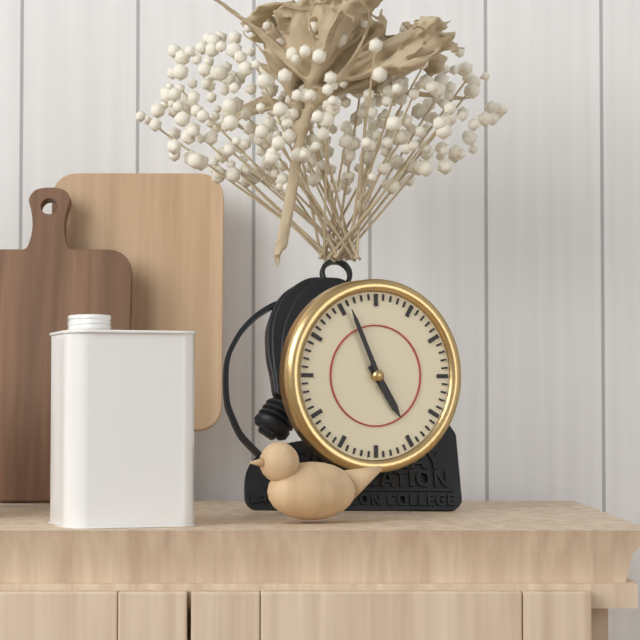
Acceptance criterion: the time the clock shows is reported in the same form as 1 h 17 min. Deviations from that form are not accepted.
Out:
4 h 56 min
